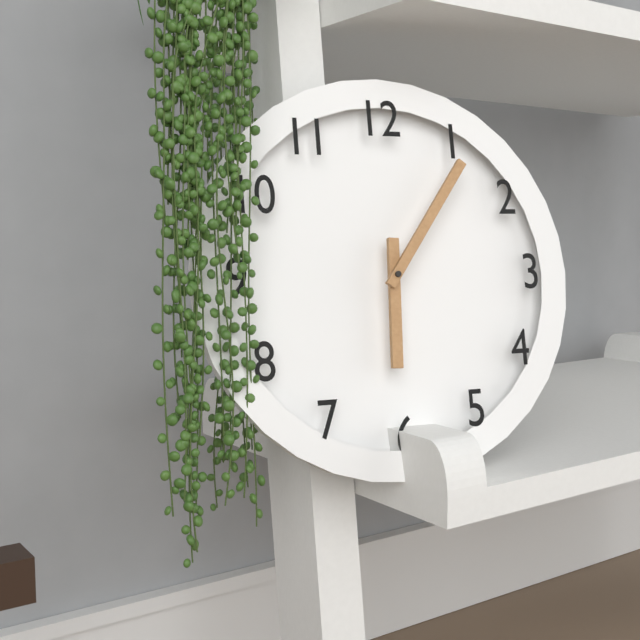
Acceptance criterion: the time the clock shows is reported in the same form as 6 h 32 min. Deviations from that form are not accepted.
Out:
6 h 06 min
